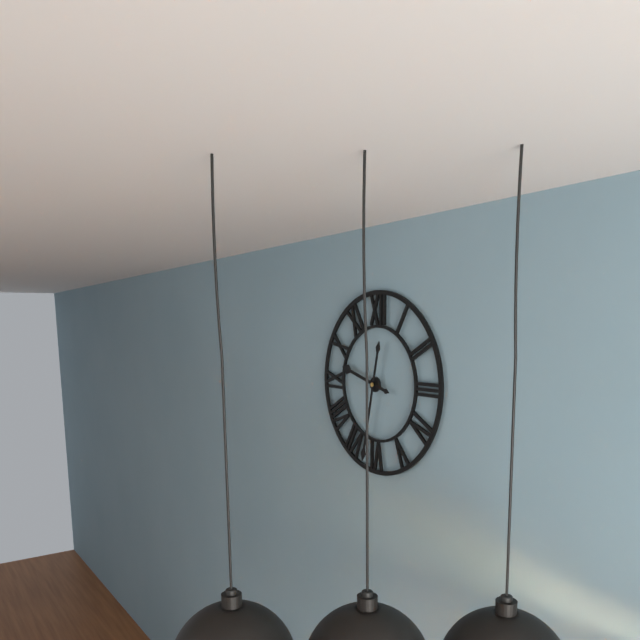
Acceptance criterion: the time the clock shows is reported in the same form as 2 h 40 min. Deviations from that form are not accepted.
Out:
9 h 32 min
